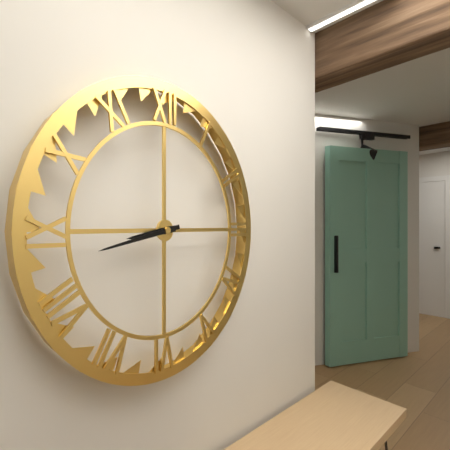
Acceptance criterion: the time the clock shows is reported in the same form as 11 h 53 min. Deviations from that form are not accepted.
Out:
8 h 43 min
